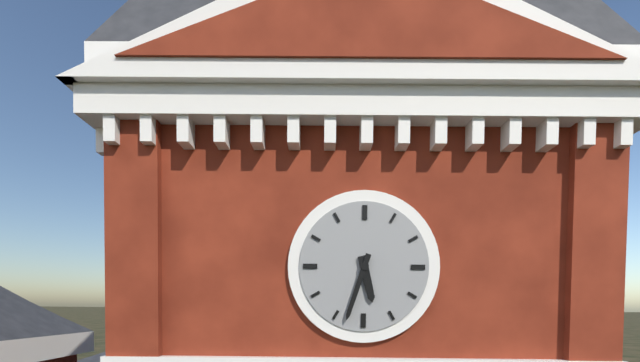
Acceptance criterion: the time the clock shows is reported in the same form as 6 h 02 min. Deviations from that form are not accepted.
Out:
5 h 33 min
